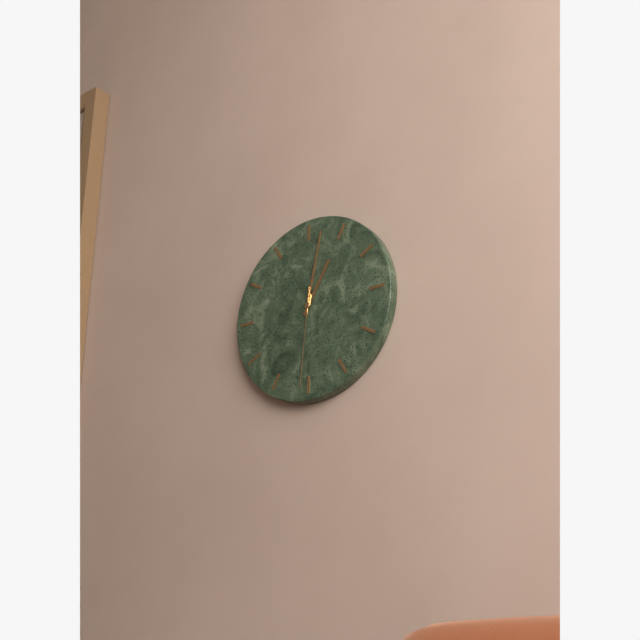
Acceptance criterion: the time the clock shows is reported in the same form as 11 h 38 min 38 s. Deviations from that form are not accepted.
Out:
1 h 02 min 31 s
